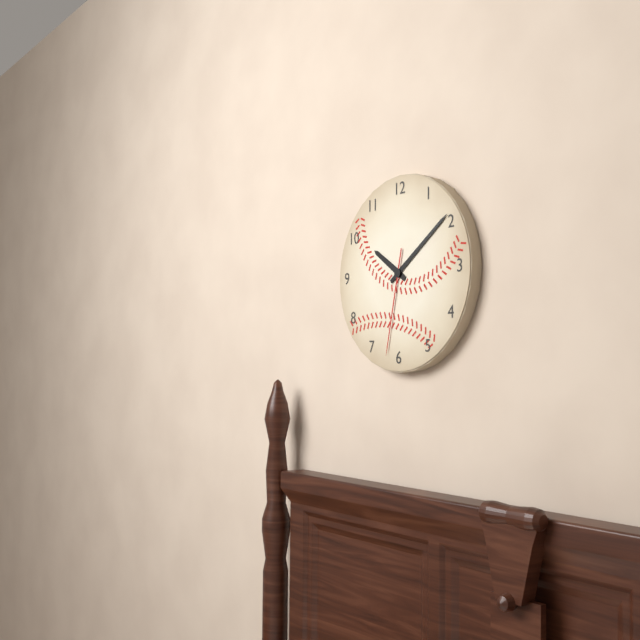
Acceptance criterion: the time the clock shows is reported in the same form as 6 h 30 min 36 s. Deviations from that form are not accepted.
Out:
10 h 09 min 32 s
